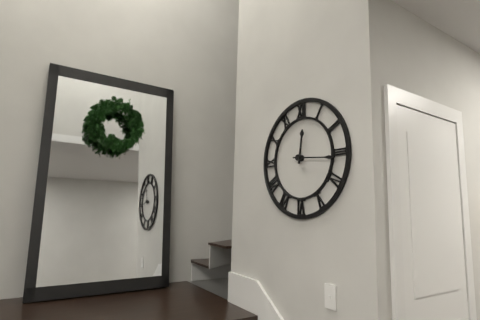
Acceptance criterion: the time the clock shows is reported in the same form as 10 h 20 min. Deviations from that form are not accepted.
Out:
12 h 16 min
